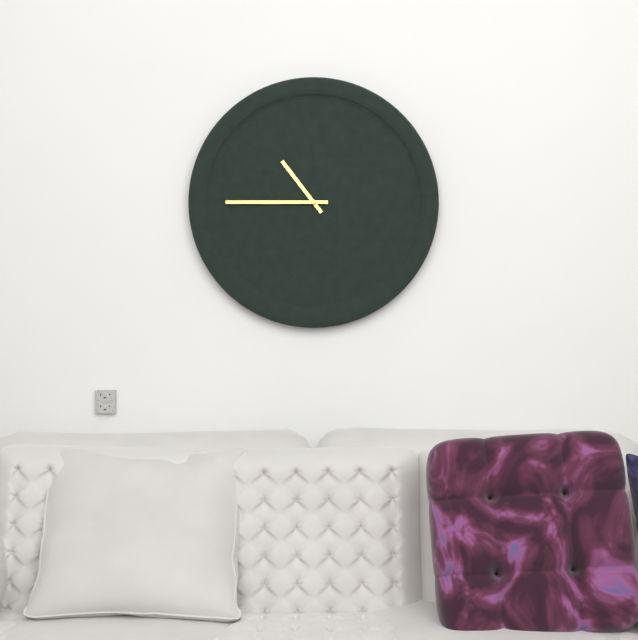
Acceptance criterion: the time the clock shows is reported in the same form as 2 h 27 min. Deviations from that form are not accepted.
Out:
10 h 45 min
